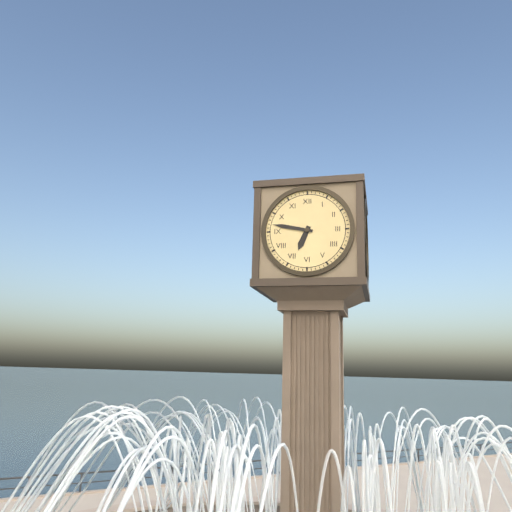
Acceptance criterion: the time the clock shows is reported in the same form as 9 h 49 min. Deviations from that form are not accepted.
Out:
6 h 47 min
